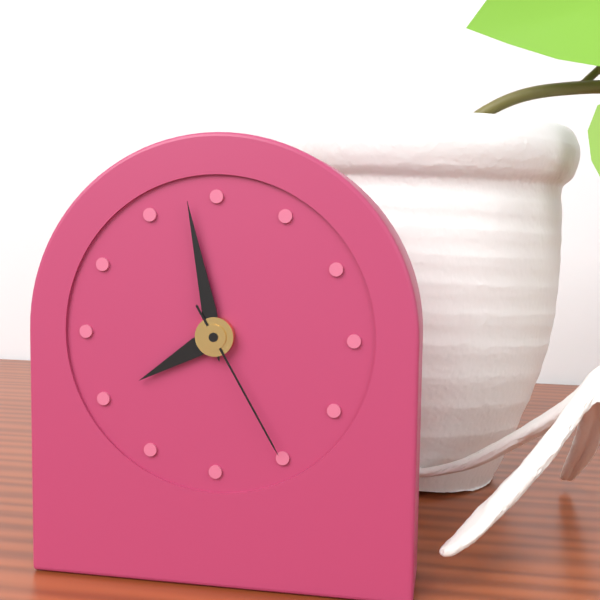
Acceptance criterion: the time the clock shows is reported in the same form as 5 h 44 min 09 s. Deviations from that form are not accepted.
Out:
7 h 58 min 25 s
